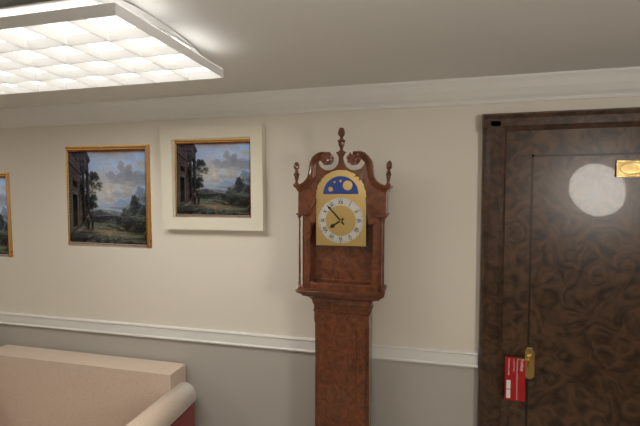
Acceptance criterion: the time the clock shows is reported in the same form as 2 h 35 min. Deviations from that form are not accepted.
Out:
7 h 53 min
